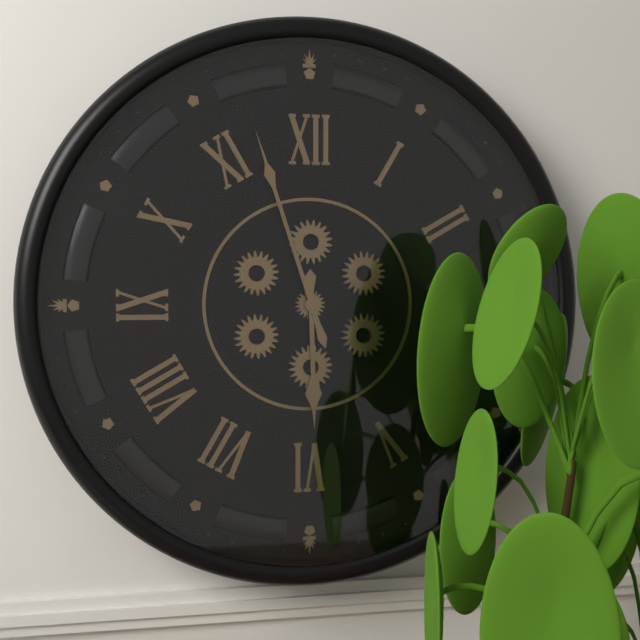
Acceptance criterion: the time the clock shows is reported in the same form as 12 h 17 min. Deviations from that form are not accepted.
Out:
5 h 57 min
